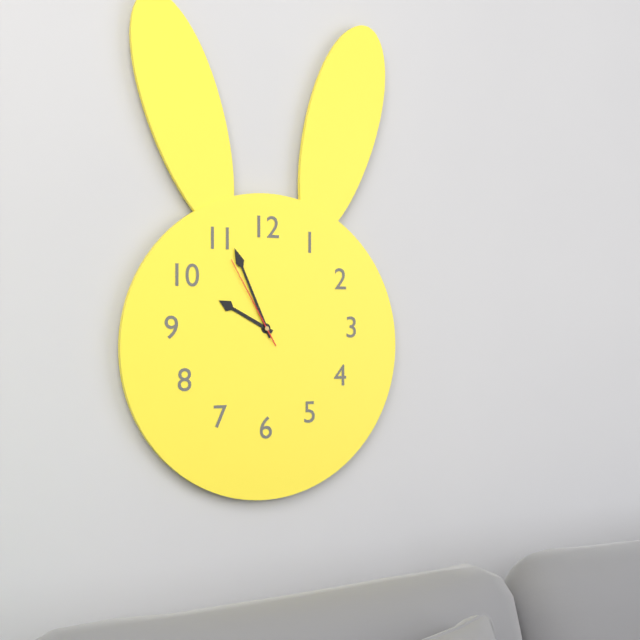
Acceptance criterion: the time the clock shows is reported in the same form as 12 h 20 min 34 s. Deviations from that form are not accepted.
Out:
9 h 56 min 55 s
